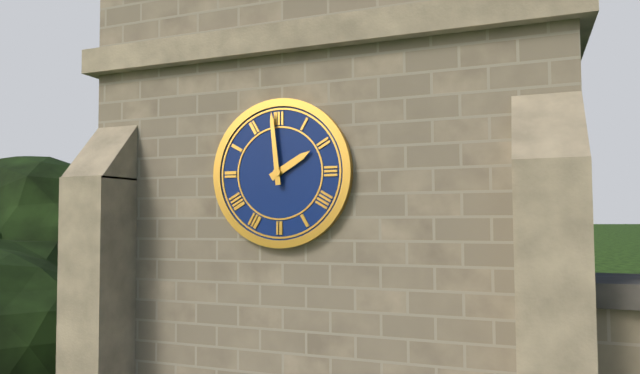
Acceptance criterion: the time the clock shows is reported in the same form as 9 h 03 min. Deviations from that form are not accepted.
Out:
1 h 59 min
